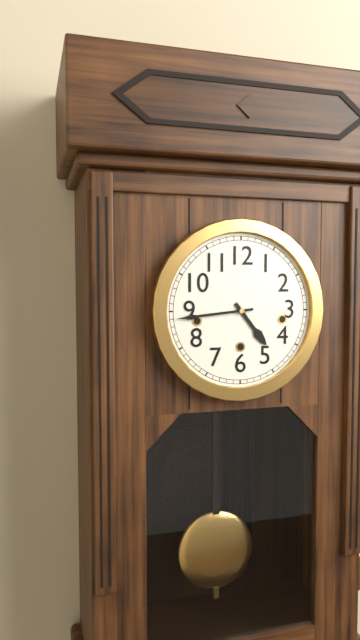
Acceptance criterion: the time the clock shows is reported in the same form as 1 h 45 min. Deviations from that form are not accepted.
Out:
4 h 44 min
